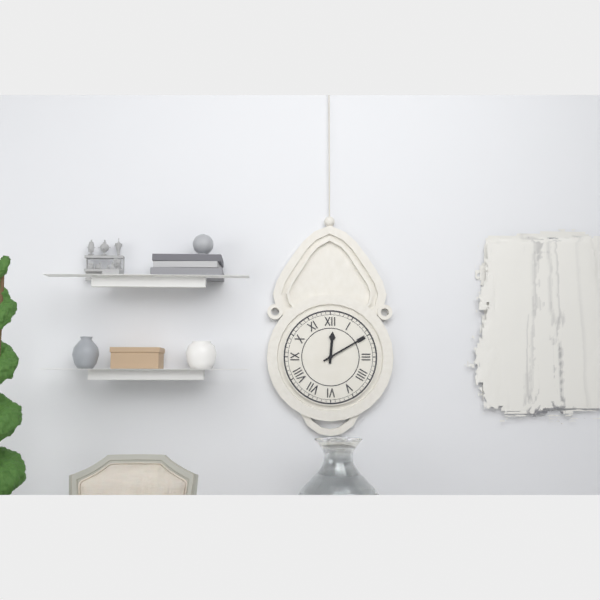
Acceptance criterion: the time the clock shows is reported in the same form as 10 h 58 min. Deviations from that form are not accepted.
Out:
12 h 10 min
